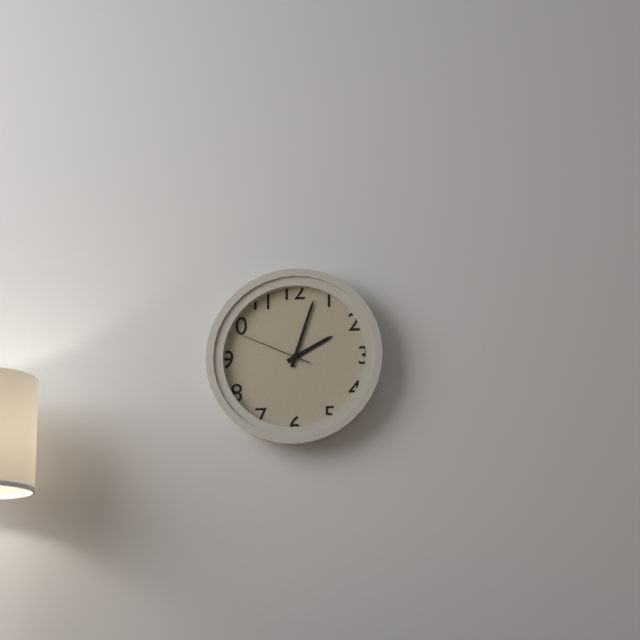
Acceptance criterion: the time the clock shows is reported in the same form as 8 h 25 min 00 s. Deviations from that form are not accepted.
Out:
2 h 03 min 49 s
